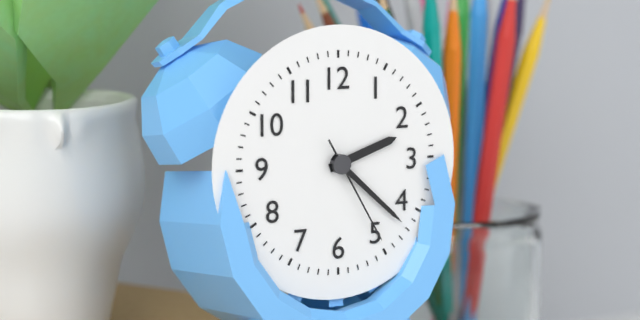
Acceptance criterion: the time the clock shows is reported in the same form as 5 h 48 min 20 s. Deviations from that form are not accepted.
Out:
2 h 22 min 25 s
